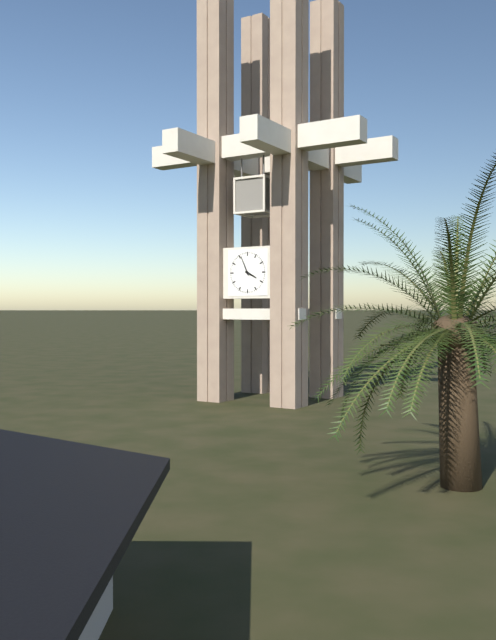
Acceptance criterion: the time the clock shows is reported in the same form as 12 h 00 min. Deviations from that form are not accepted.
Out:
3 h 56 min
